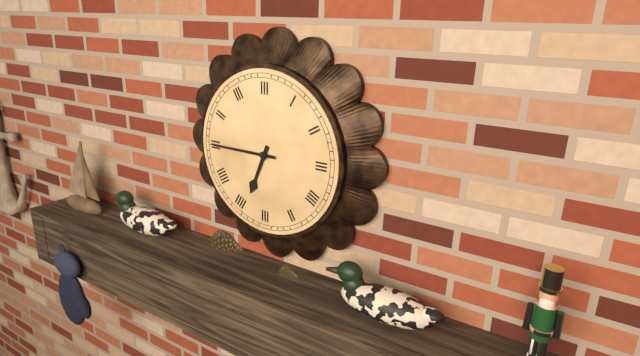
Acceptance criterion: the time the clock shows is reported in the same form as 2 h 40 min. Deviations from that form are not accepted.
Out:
6 h 45 min
